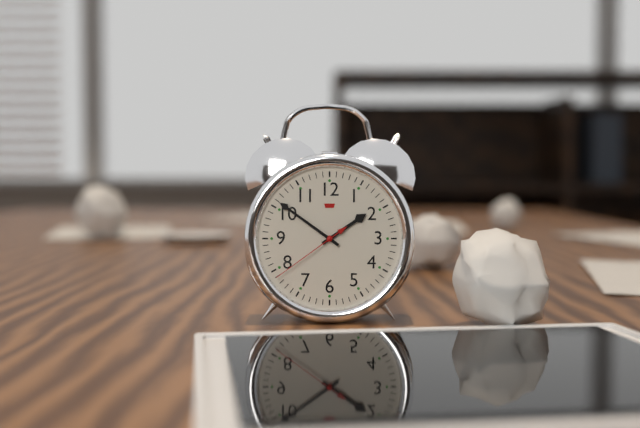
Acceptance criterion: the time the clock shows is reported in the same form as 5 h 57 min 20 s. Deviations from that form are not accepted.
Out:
1 h 51 min 39 s
